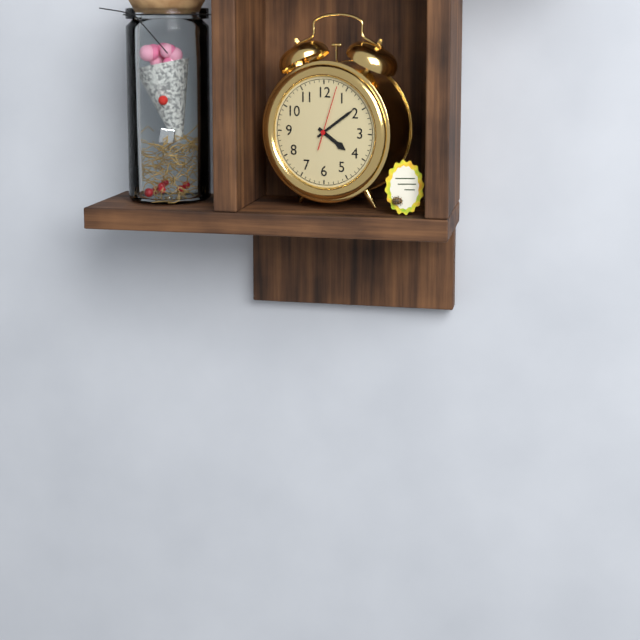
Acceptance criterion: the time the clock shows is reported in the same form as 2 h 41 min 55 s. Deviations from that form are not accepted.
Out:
4 h 09 min 03 s
